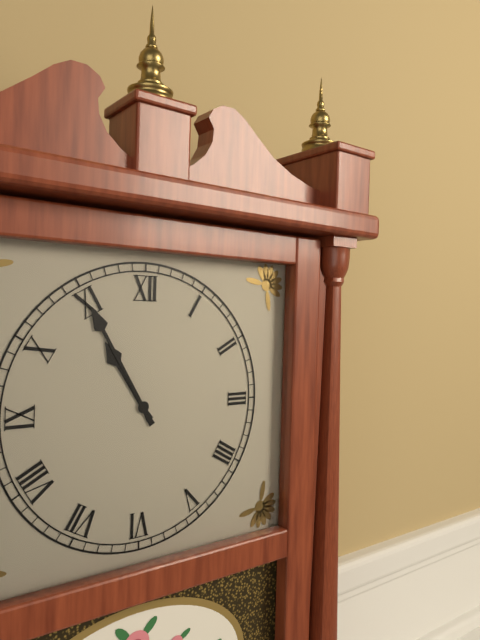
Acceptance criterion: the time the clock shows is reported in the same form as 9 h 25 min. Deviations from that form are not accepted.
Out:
10 h 55 min
